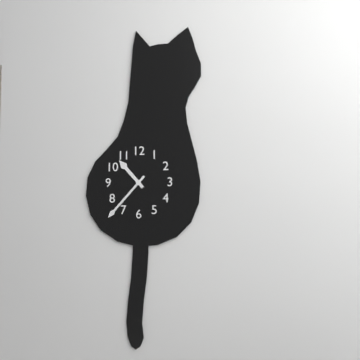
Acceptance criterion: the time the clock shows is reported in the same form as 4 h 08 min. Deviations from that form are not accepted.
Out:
10 h 37 min
